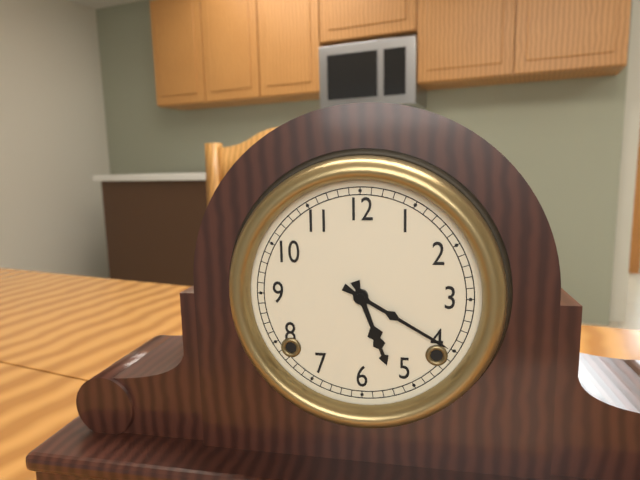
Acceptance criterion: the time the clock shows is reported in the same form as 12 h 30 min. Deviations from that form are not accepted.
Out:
5 h 20 min
